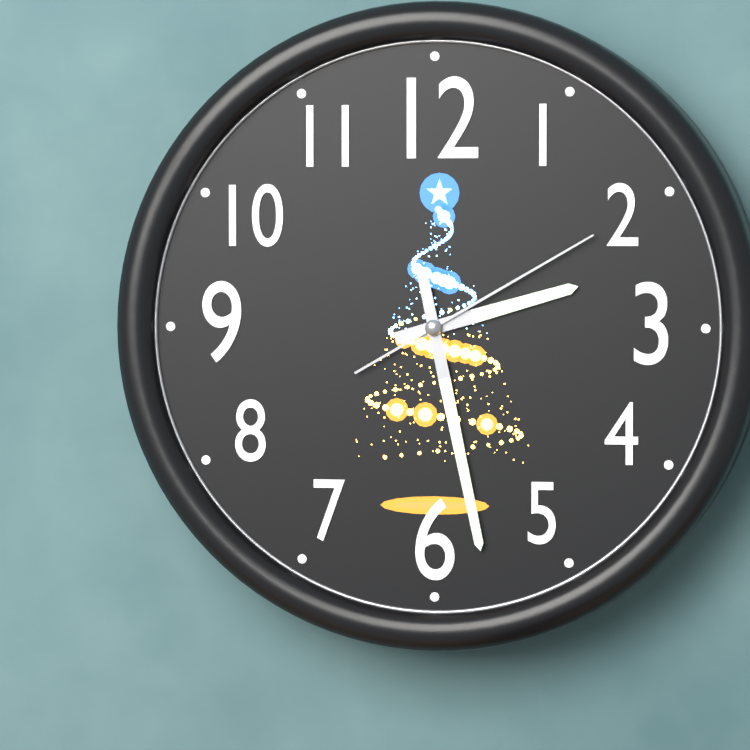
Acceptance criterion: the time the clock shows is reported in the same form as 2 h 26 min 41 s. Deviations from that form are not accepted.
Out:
2 h 28 min 10 s
